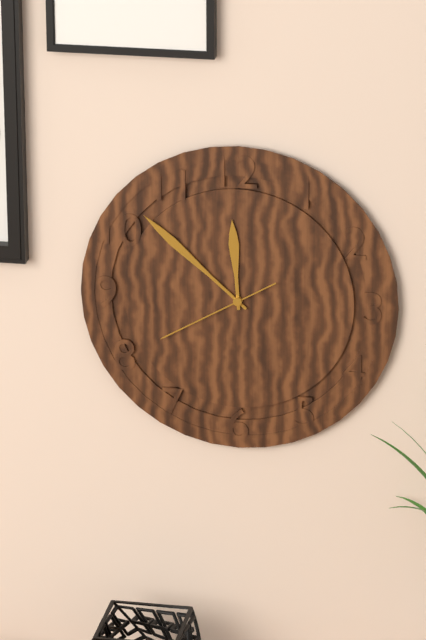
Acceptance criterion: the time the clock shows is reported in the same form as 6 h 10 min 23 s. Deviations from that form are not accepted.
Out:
11 h 52 min 40 s
